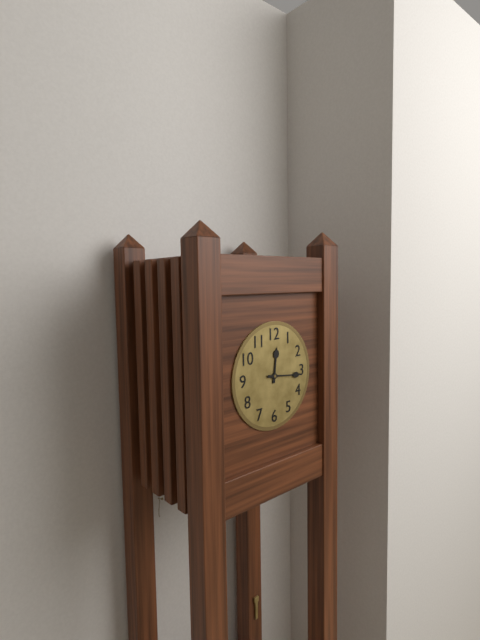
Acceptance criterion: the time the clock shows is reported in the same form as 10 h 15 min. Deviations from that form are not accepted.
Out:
12 h 16 min
